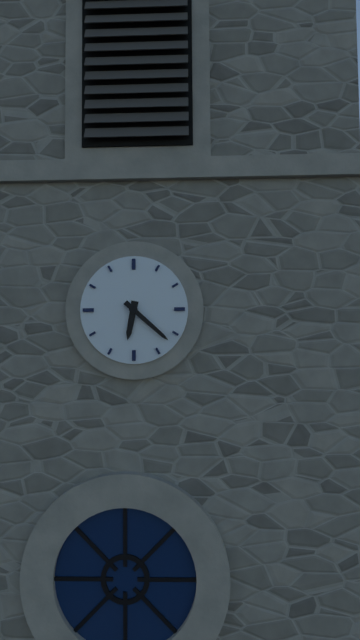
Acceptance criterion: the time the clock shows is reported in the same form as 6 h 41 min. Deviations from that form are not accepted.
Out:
6 h 22 min
